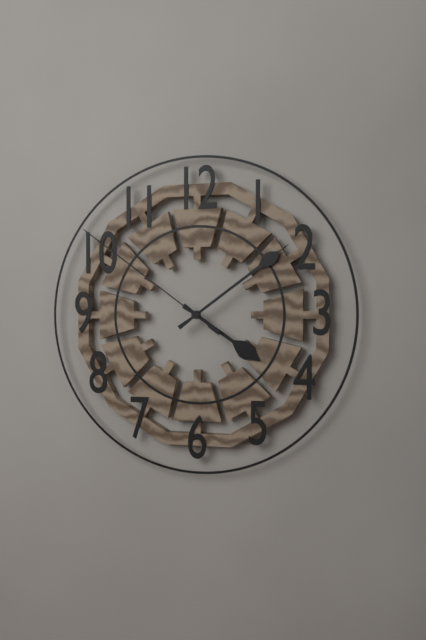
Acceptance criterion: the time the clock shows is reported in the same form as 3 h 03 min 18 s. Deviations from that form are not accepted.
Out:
4 h 09 min 51 s
